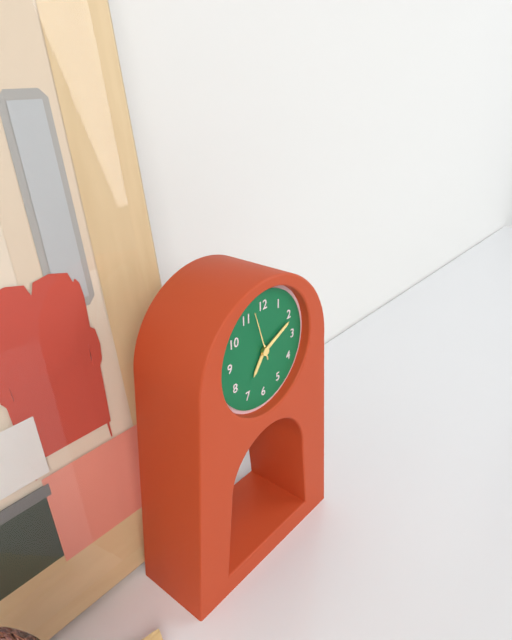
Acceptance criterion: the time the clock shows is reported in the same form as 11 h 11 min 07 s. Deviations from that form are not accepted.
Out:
7 h 11 min 57 s
